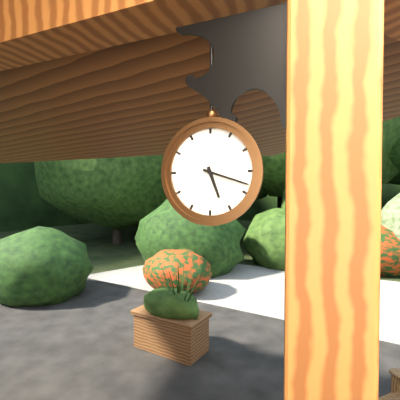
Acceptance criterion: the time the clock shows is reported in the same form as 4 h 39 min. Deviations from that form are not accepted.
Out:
5 h 18 min
